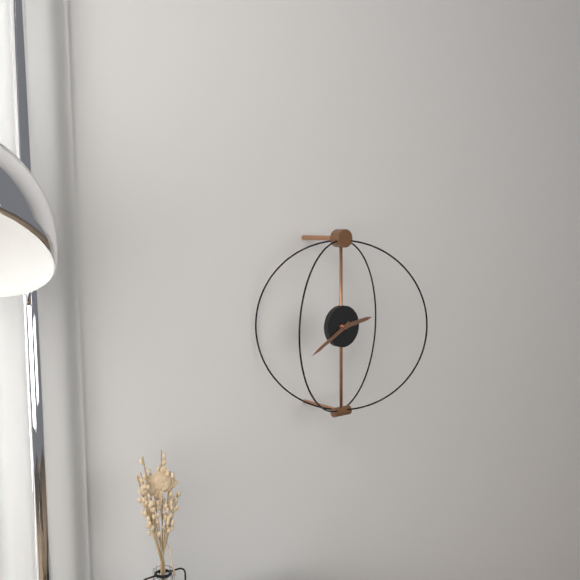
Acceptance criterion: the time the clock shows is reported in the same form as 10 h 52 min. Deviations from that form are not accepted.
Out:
2 h 40 min
